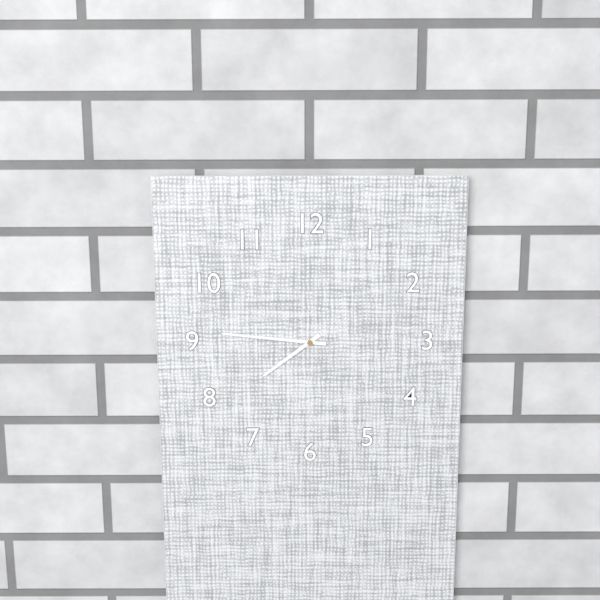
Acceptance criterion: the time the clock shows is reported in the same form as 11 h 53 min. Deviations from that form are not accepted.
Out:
7 h 46 min
